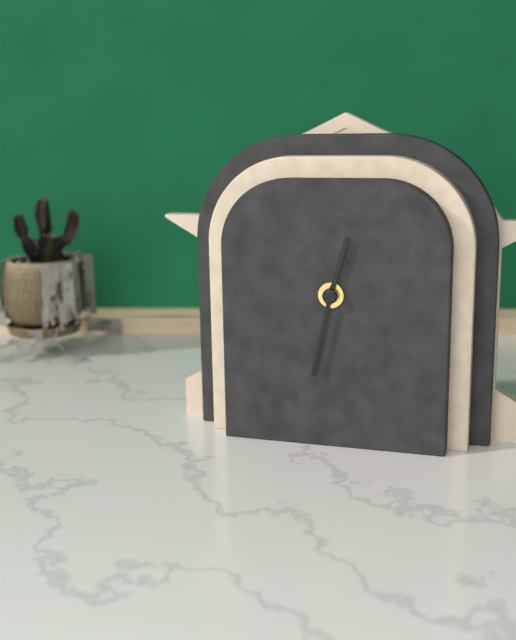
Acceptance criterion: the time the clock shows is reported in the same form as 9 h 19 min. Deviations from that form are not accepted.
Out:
12 h 32 min
